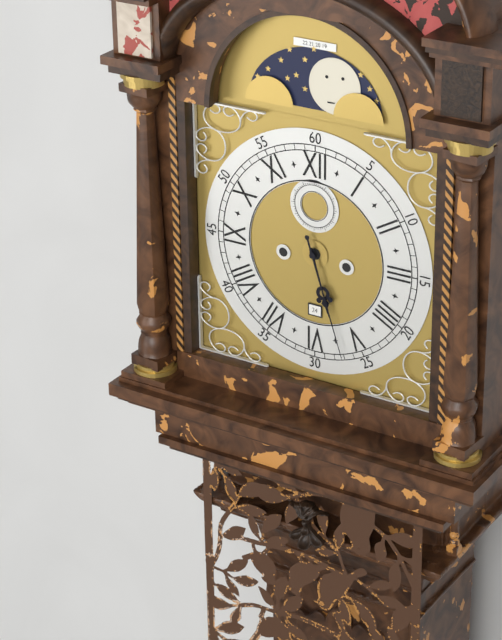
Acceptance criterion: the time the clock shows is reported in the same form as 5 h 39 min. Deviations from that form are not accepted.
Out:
5 h 27 min
